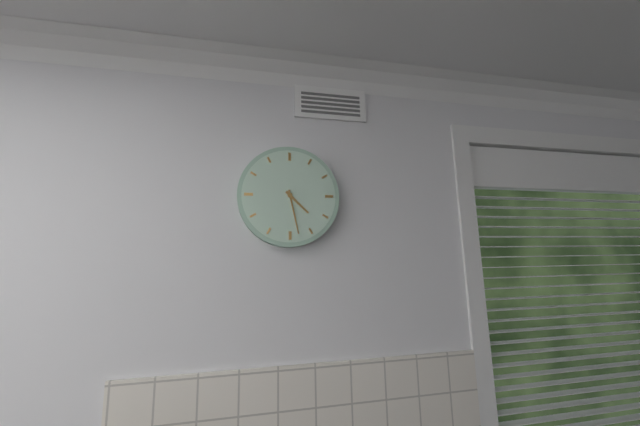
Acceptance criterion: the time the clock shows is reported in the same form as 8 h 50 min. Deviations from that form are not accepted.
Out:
4 h 28 min
